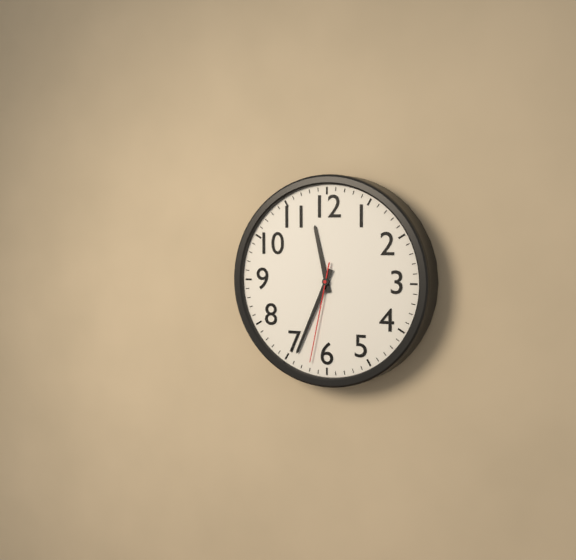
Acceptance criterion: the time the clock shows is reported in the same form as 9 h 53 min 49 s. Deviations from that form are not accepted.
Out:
11 h 34 min 32 s
